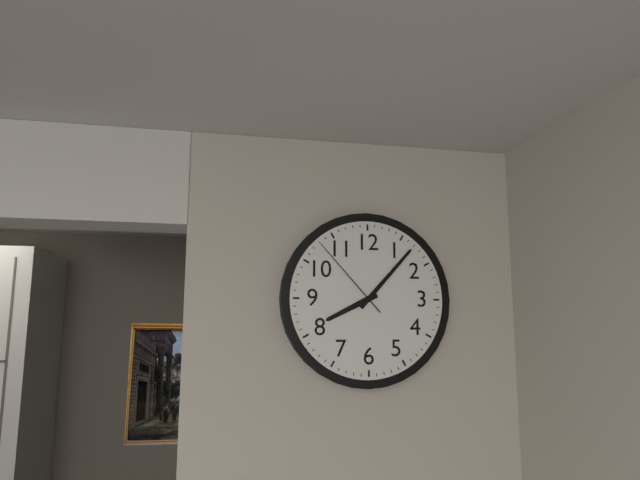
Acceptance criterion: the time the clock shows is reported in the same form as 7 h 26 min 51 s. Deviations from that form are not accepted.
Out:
8 h 07 min 53 s
